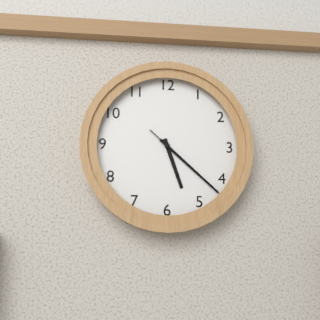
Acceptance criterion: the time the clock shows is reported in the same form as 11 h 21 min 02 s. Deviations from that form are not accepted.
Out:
5 h 22 min 22 s
